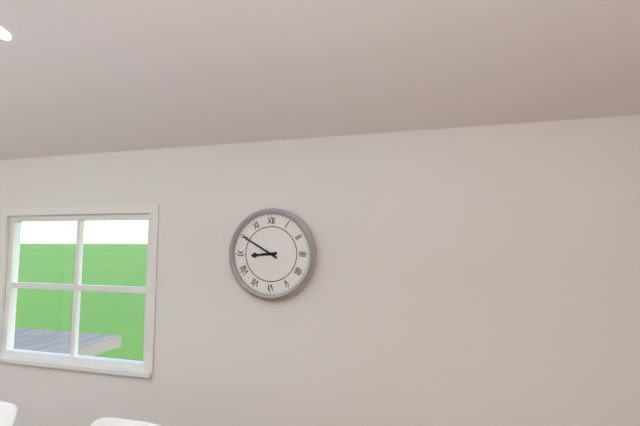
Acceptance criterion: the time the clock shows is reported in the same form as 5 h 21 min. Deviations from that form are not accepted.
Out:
8 h 50 min
